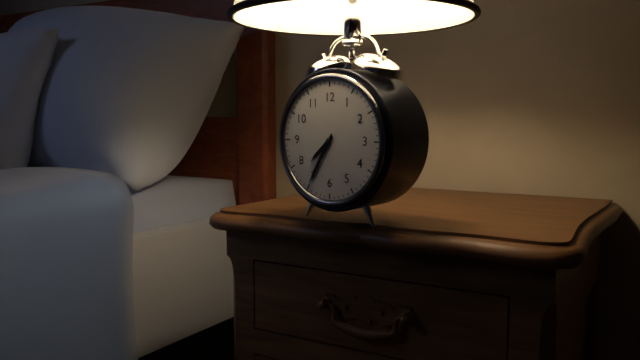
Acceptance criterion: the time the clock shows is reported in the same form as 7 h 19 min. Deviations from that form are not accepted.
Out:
7 h 35 min
